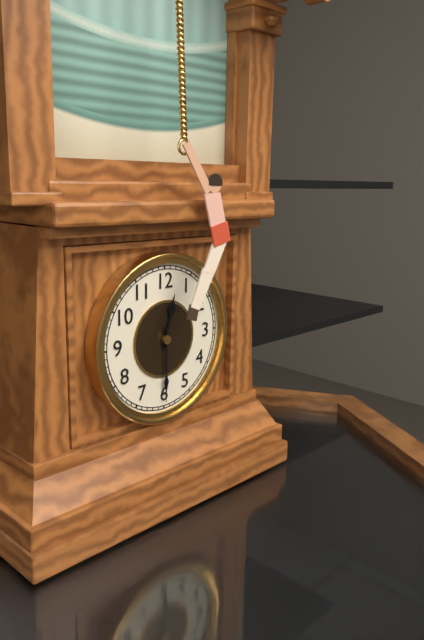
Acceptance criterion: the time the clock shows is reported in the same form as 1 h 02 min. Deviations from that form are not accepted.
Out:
12 h 30 min
